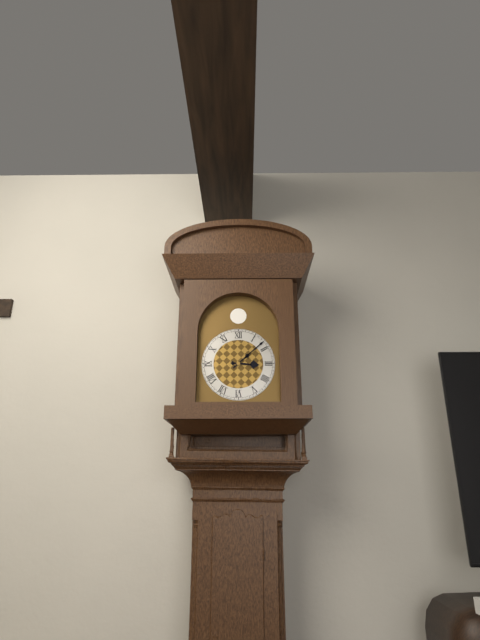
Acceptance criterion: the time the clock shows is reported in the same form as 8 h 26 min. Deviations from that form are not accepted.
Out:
3 h 08 min
